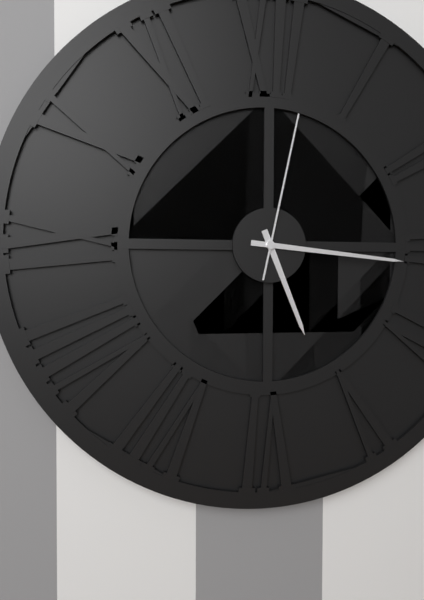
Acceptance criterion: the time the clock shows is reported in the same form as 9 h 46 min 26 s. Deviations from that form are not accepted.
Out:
5 h 16 min 02 s
